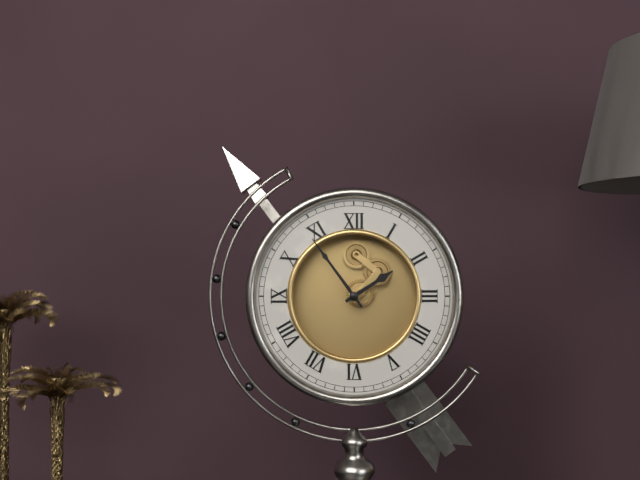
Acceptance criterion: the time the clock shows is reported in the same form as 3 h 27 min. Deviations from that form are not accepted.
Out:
1 h 54 min
